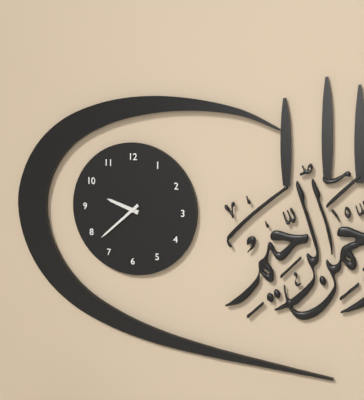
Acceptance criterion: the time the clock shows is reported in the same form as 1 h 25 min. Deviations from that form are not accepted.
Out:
9 h 38 min
